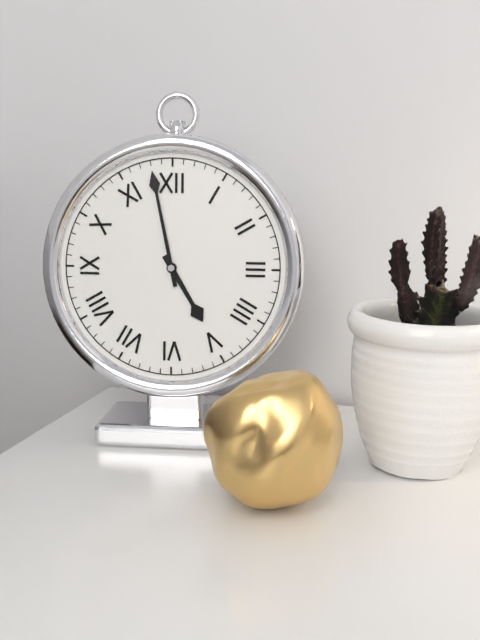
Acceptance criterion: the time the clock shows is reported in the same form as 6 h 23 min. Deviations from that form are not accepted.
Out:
4 h 58 min
